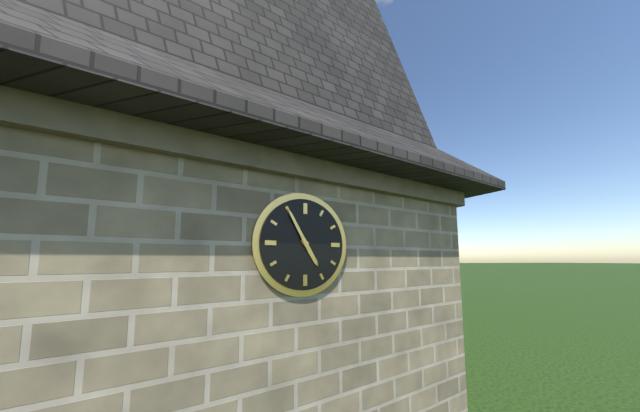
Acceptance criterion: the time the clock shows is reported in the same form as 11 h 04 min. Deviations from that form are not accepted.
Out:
4 h 55 min
